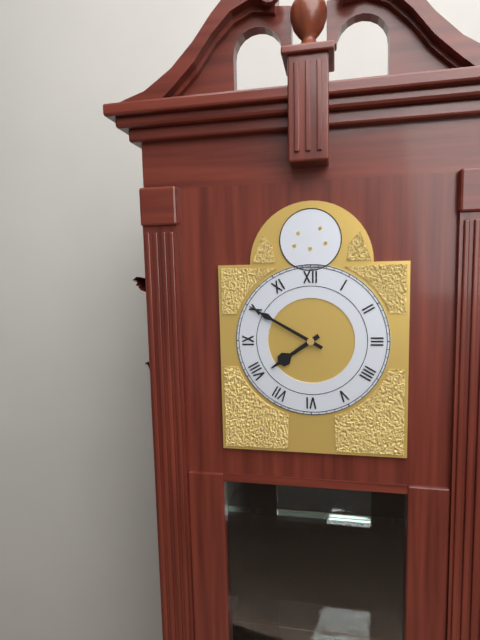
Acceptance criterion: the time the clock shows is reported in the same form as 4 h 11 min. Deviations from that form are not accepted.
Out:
7 h 50 min
